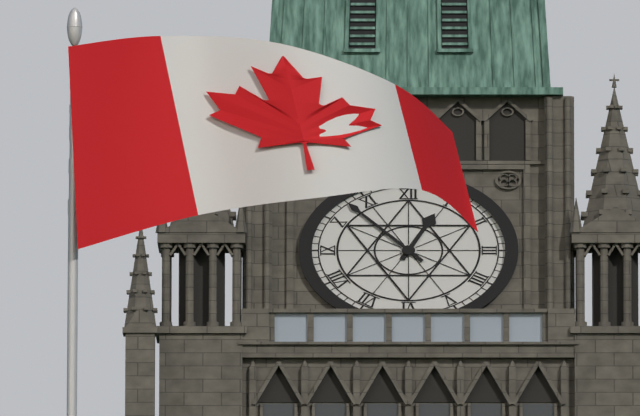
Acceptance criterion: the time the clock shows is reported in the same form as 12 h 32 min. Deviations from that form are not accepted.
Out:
12 h 53 min
